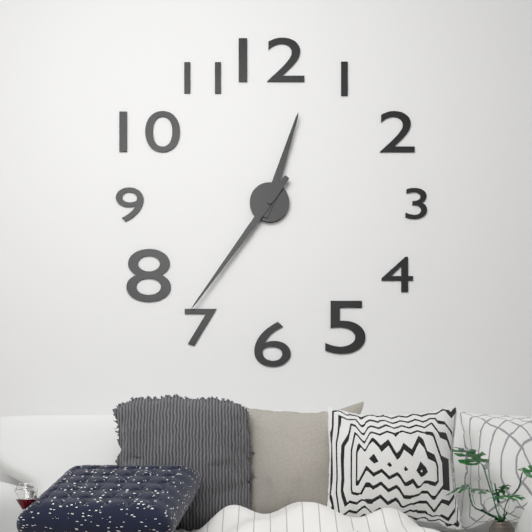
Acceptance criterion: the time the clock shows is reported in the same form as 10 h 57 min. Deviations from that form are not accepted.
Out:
12 h 36 min
